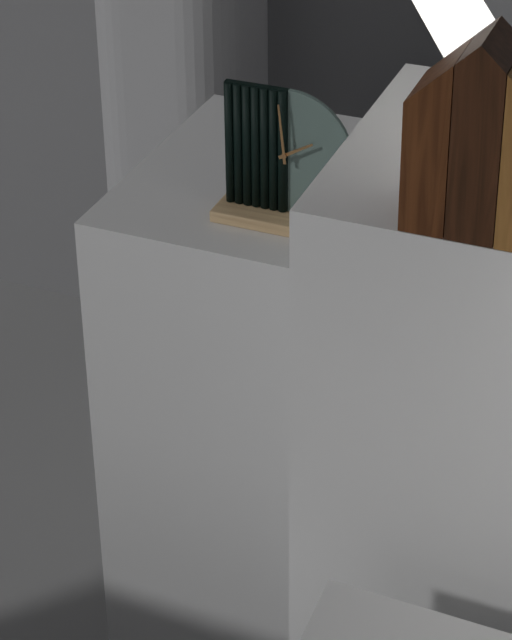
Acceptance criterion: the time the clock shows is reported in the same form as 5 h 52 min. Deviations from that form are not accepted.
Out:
1 h 59 min
